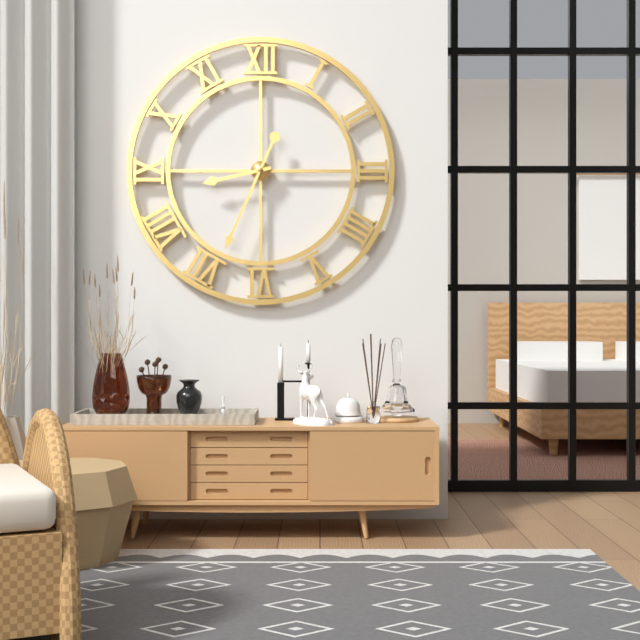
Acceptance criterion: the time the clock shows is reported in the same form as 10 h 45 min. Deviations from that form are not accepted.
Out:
8 h 34 min
